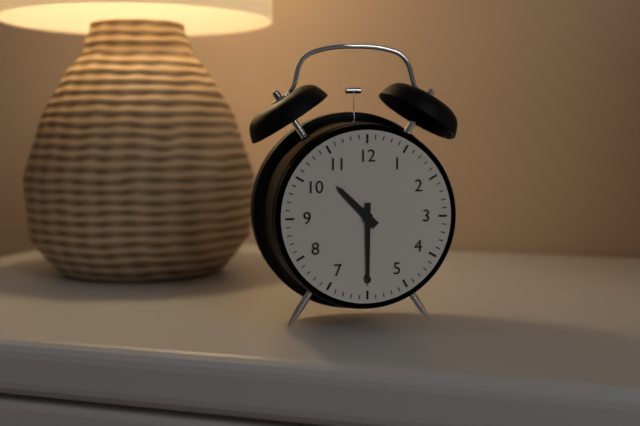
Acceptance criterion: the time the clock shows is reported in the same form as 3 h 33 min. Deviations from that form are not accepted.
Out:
10 h 30 min
